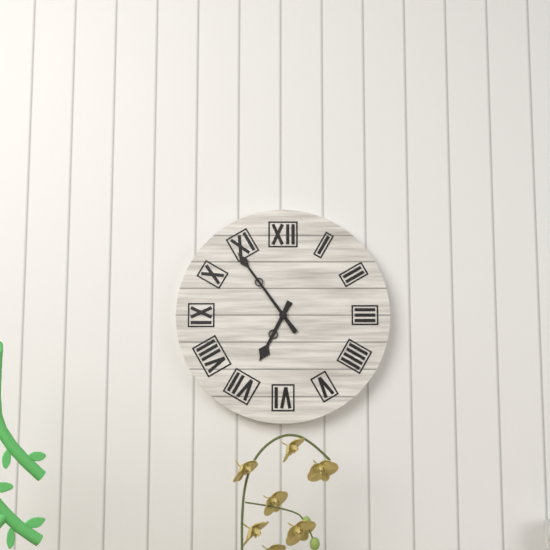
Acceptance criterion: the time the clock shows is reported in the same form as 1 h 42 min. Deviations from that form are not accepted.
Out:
6 h 54 min
